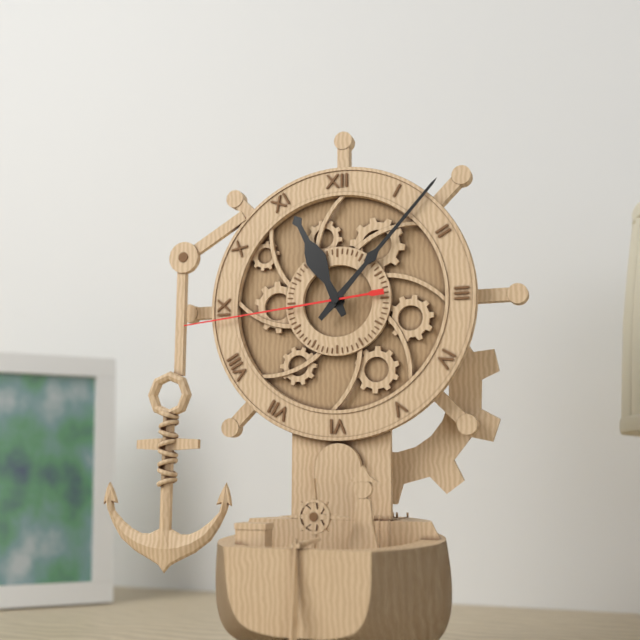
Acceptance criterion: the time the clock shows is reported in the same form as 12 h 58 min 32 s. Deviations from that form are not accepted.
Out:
11 h 07 min 44 s
